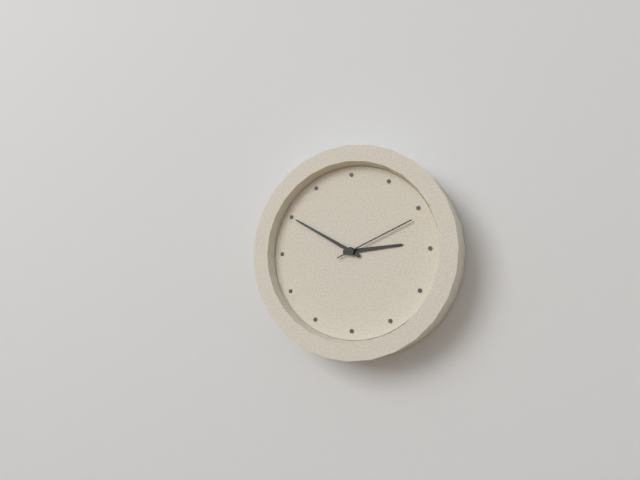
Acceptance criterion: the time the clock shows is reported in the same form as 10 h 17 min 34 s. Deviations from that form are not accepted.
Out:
2 h 50 min 11 s
